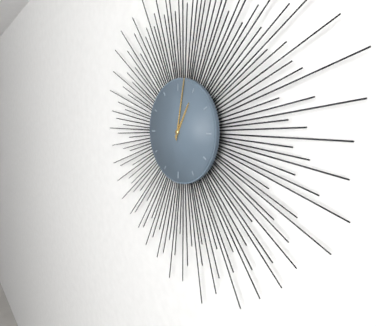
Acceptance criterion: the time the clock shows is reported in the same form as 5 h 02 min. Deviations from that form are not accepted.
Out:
1 h 02 min
